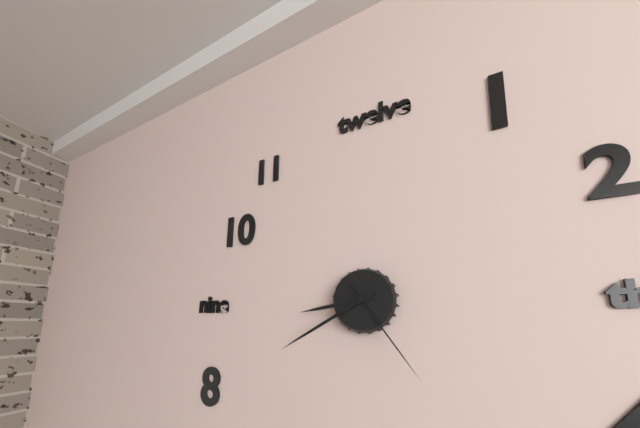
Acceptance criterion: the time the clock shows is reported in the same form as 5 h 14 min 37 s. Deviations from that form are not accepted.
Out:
8 h 40 min 24 s
